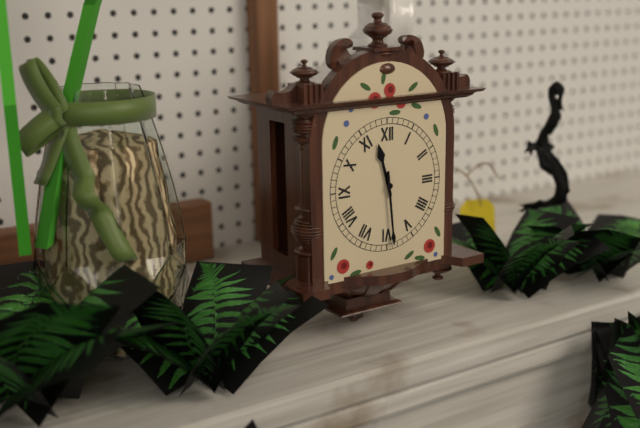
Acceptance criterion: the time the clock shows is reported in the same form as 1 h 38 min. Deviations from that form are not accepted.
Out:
11 h 29 min
